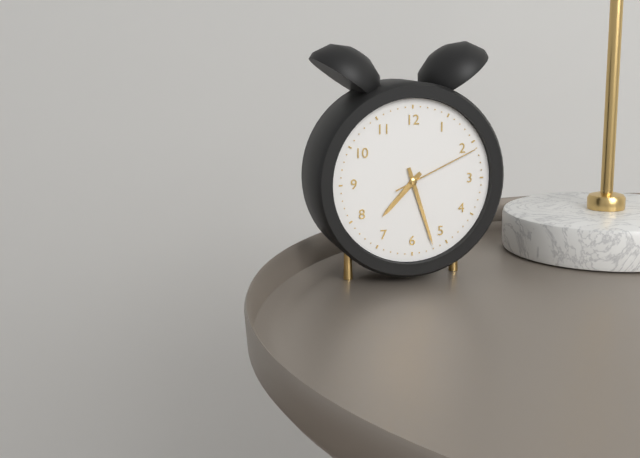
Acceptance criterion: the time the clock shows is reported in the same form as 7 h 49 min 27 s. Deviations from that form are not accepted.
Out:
7 h 27 min 11 s
